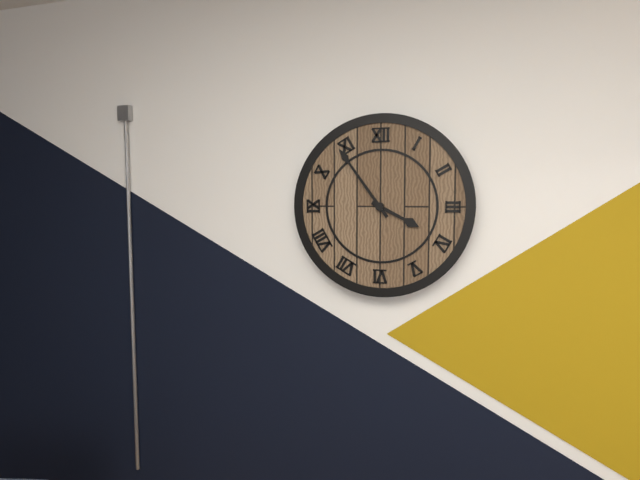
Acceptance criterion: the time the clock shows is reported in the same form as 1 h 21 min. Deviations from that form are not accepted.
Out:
3 h 54 min
